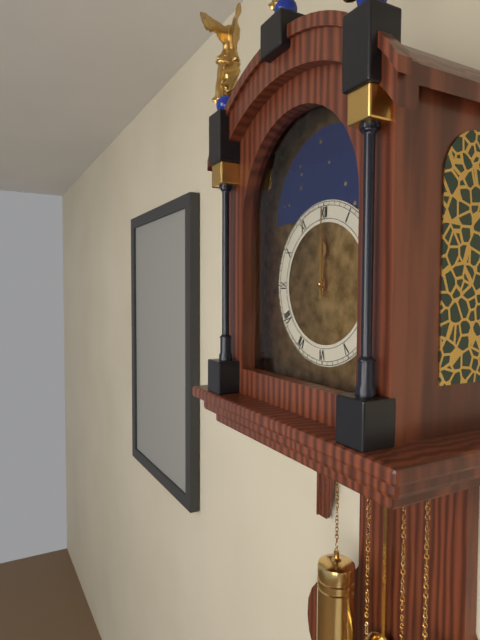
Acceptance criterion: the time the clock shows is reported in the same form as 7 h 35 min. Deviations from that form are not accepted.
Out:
12 h 00 min
